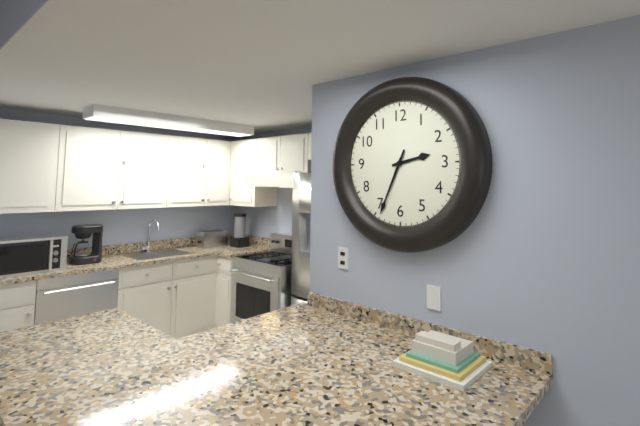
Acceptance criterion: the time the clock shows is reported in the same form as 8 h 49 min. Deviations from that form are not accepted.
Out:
2 h 34 min
